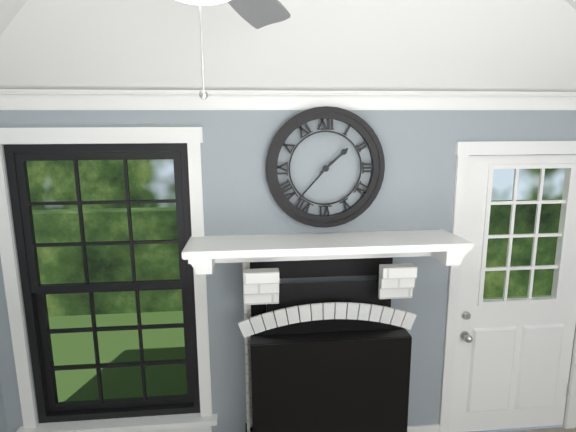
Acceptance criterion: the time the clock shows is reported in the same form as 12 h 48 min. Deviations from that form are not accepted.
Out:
1 h 37 min
